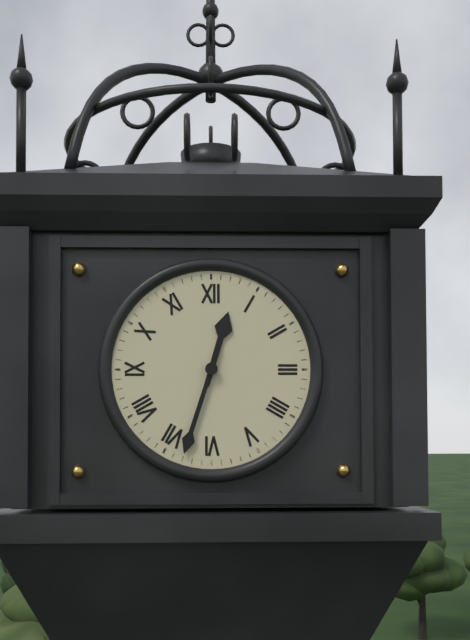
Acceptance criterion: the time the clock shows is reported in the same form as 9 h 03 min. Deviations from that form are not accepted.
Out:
12 h 33 min
